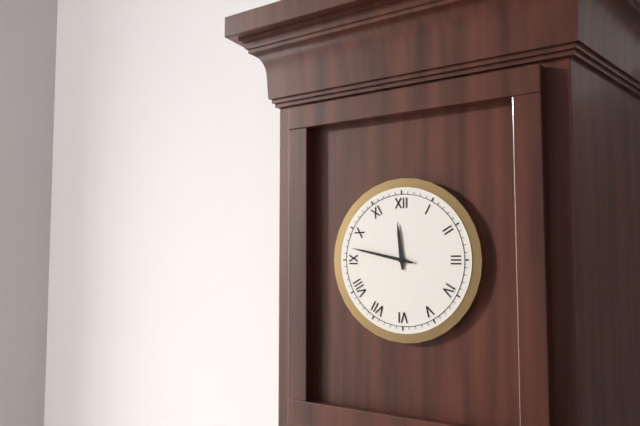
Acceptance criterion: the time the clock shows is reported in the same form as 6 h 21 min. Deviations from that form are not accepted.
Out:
11 h 47 min
